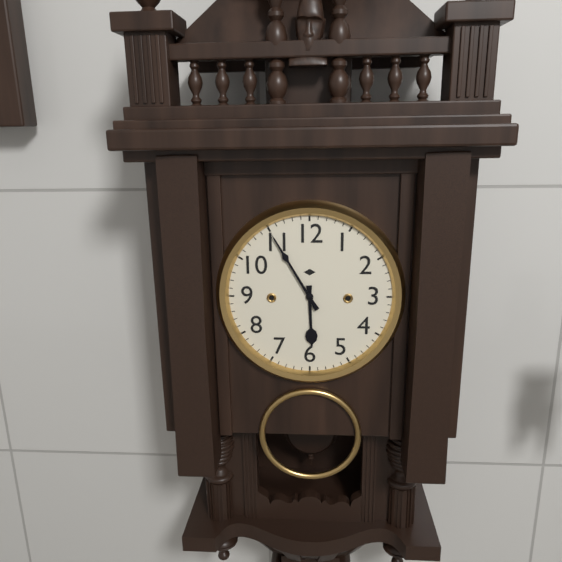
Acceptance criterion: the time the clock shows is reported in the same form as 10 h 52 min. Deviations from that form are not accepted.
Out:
5 h 55 min
